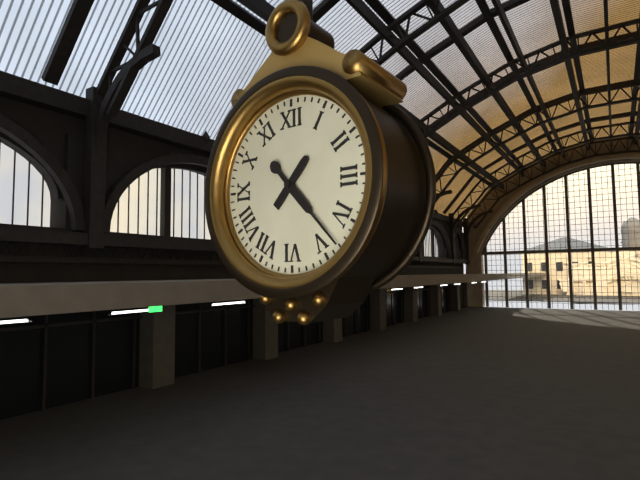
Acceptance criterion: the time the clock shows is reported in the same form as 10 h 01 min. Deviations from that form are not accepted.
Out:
1 h 23 min
